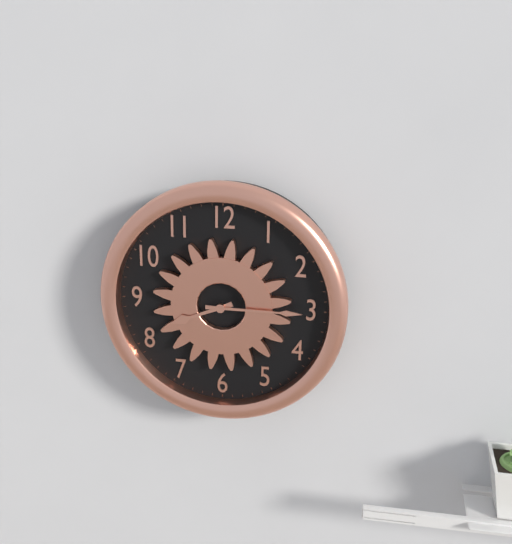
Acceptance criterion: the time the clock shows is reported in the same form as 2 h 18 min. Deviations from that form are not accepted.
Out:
8 h 15 min
